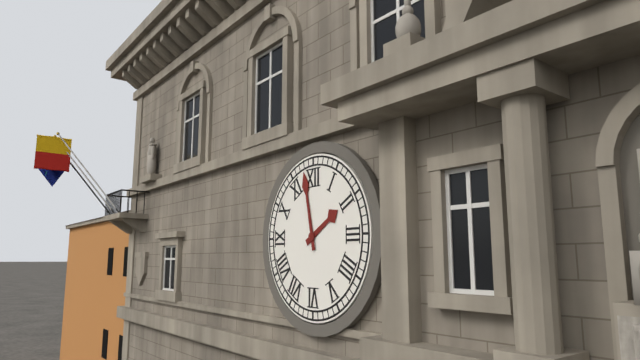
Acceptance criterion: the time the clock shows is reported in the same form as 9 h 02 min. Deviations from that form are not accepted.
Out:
1 h 58 min
